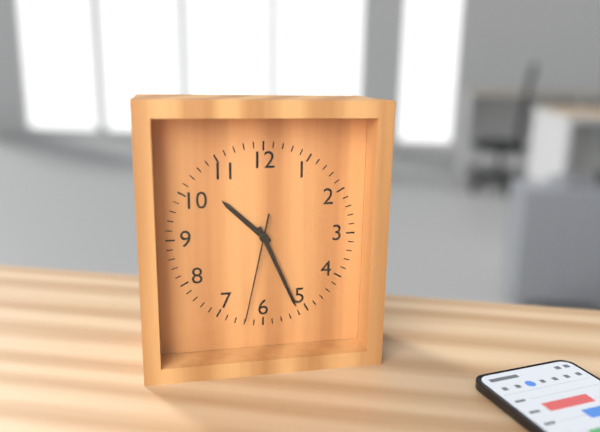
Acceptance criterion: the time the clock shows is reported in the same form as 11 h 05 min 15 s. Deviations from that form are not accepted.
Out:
10 h 26 min 32 s
